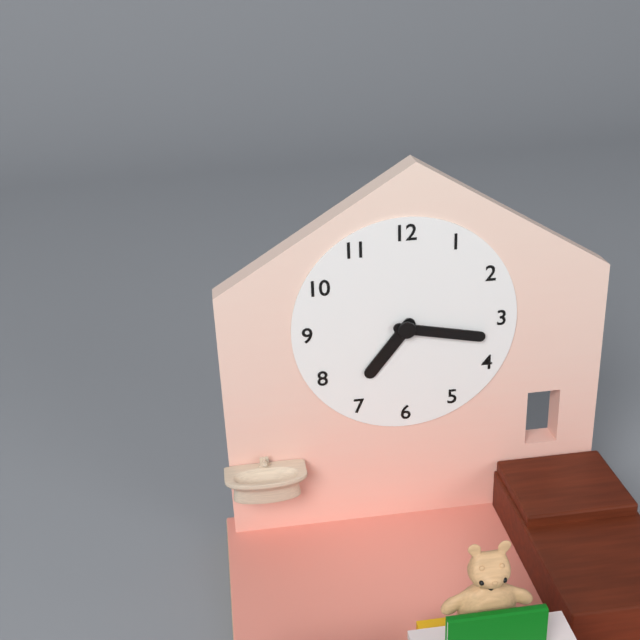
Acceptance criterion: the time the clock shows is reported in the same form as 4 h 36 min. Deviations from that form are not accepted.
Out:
7 h 17 min
